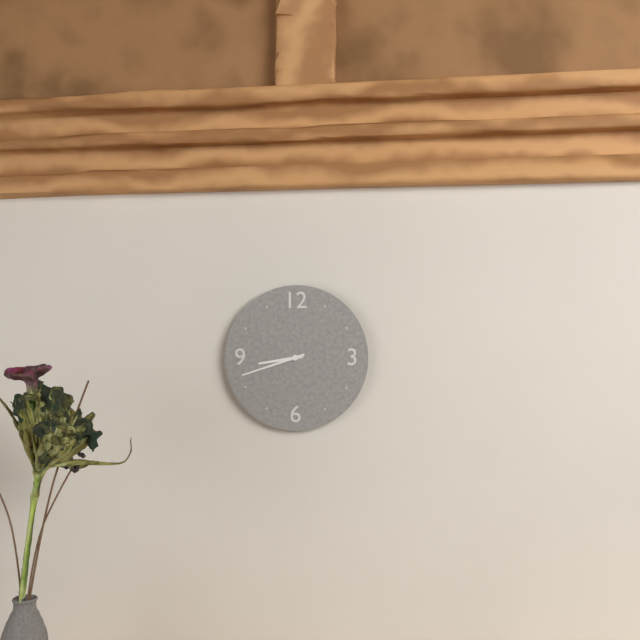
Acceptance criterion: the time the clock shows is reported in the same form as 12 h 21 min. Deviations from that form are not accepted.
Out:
8 h 42 min
